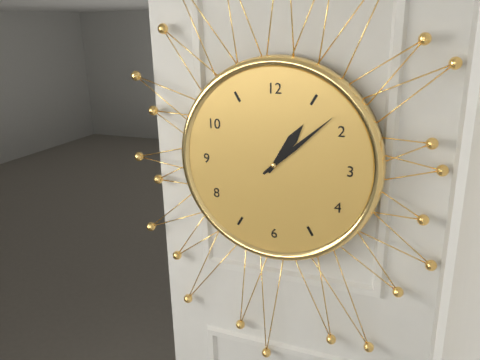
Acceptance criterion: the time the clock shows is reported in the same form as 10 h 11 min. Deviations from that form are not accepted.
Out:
1 h 08 min
